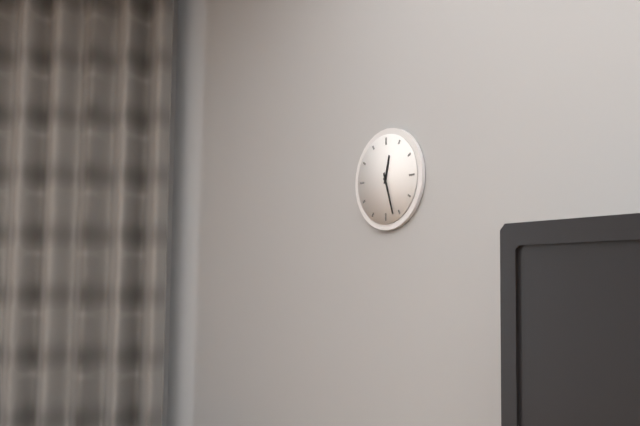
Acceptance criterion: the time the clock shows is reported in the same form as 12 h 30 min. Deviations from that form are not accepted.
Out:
12 h 27 min
